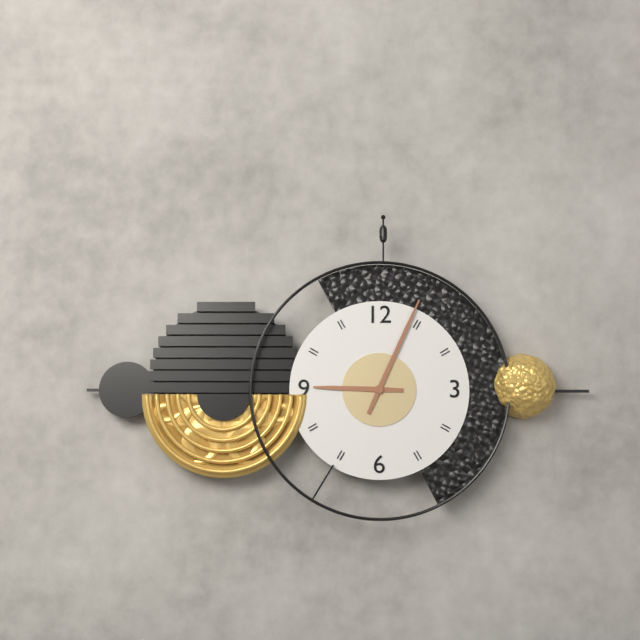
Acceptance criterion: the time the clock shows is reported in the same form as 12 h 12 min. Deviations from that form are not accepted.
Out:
9 h 04 min
